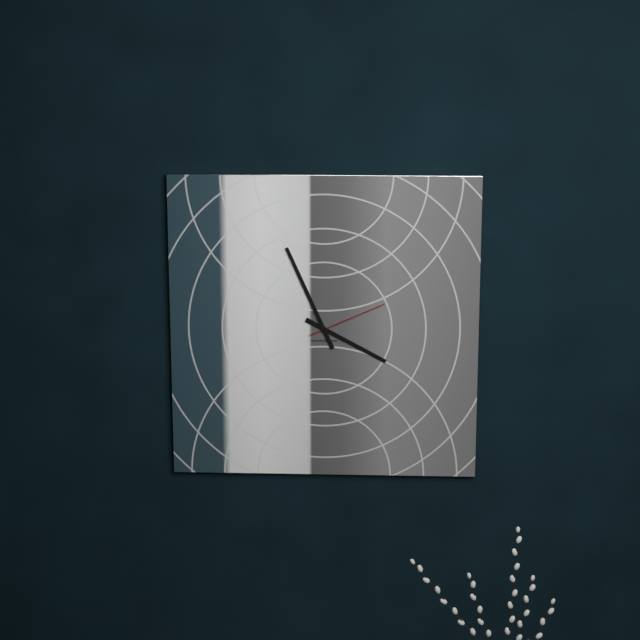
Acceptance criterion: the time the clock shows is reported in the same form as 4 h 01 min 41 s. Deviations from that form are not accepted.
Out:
3 h 56 min 11 s
